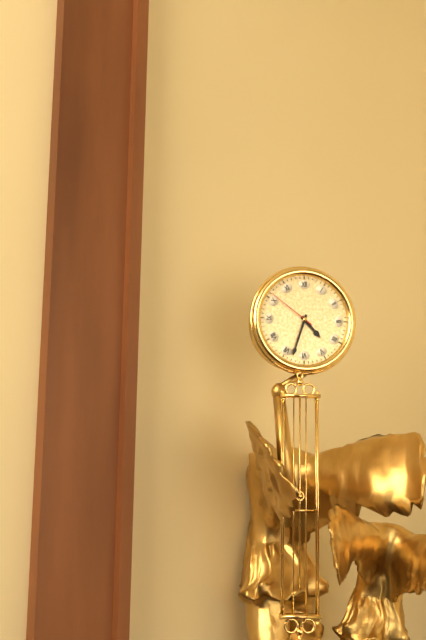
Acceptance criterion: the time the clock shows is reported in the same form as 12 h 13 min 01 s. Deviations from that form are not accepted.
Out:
4 h 33 min 51 s
